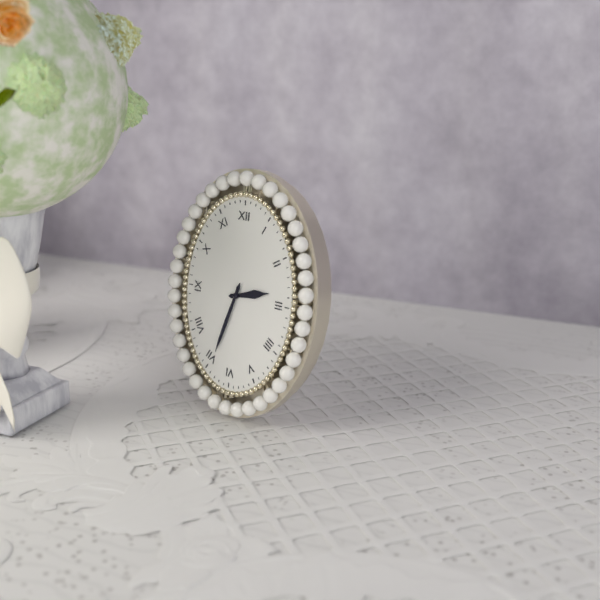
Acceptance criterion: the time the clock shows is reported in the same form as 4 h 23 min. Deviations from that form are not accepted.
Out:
2 h 33 min
